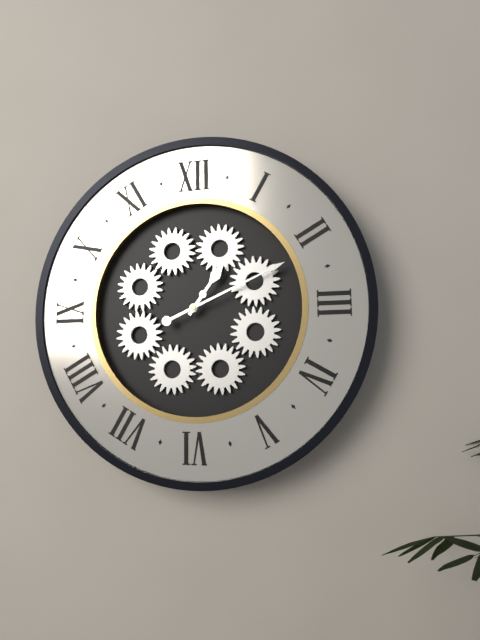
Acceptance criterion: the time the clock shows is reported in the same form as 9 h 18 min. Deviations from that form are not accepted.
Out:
1 h 11 min
